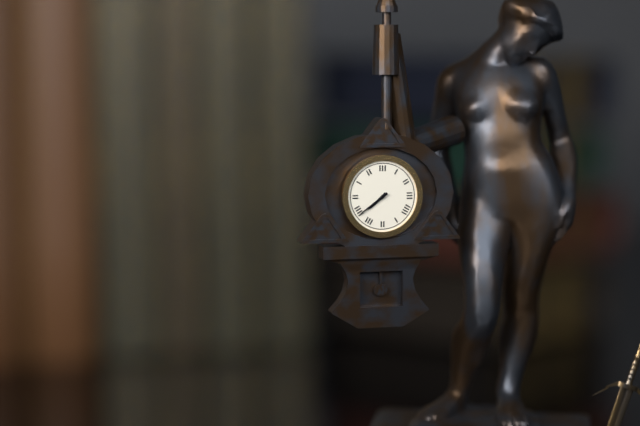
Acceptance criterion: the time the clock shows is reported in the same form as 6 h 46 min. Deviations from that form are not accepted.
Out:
7 h 39 min
